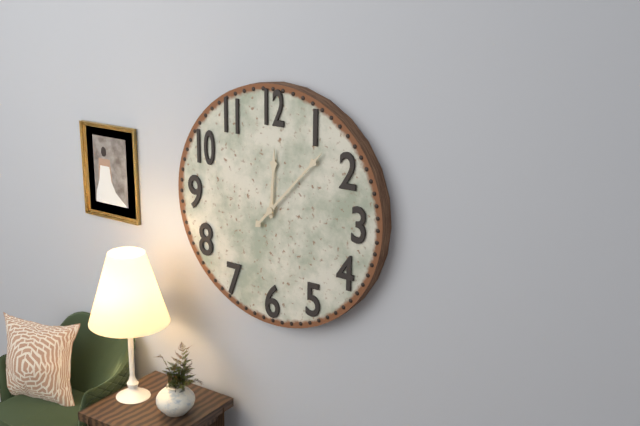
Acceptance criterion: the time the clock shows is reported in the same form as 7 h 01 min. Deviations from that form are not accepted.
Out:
12 h 07 min
